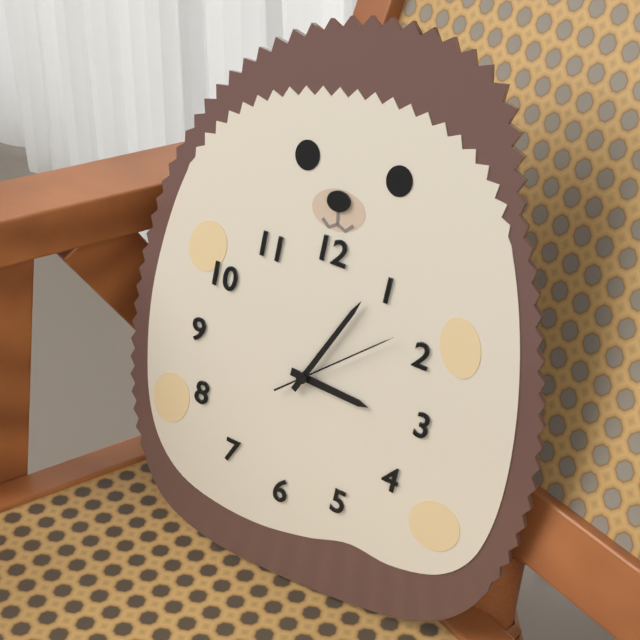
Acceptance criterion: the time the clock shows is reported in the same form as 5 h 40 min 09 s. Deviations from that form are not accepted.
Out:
3 h 04 min 08 s
